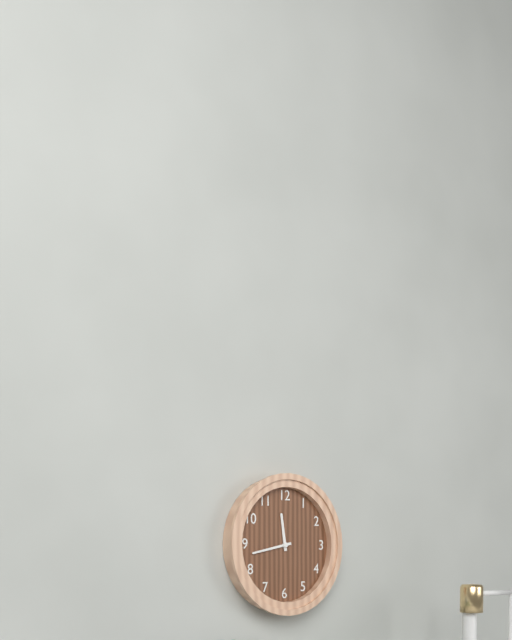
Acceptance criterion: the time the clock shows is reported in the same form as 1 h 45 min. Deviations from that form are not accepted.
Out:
11 h 43 min
